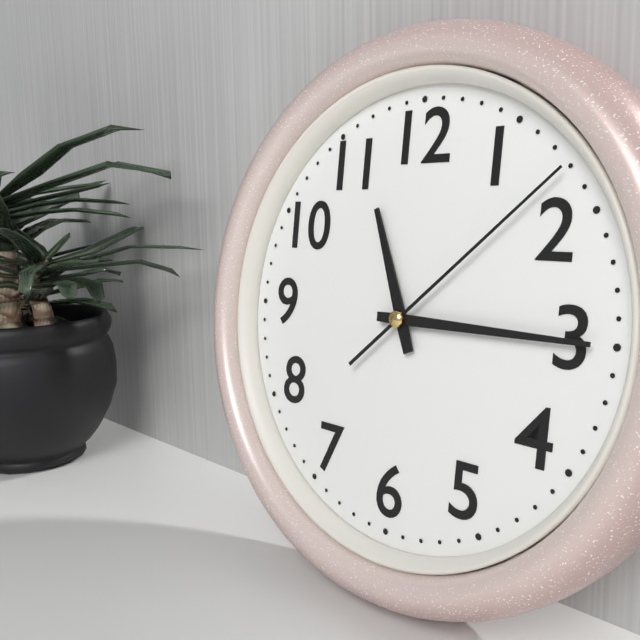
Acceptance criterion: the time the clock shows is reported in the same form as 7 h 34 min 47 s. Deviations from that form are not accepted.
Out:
11 h 15 min 08 s
